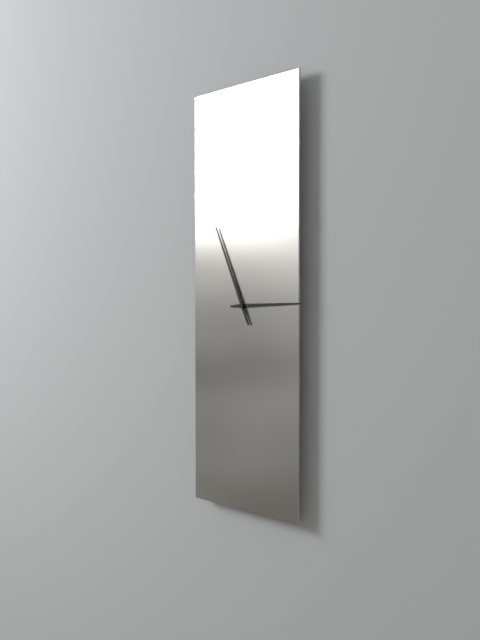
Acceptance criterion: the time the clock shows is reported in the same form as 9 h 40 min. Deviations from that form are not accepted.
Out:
2 h 56 min
